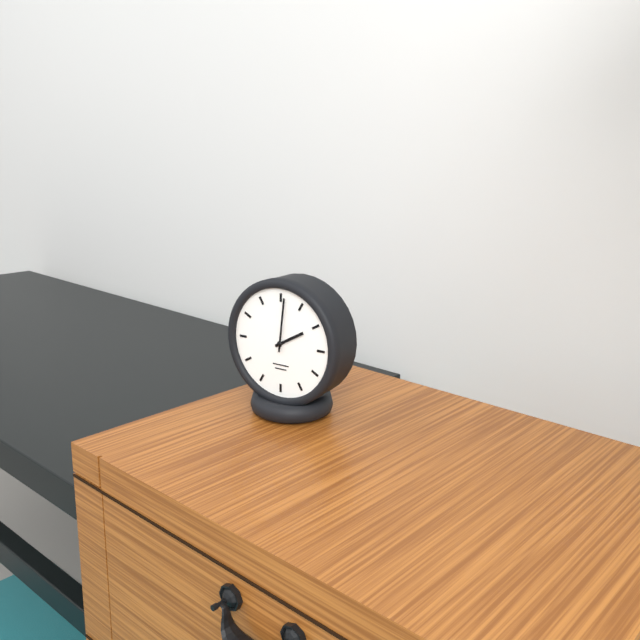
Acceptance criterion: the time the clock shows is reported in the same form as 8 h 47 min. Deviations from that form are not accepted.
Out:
2 h 01 min
